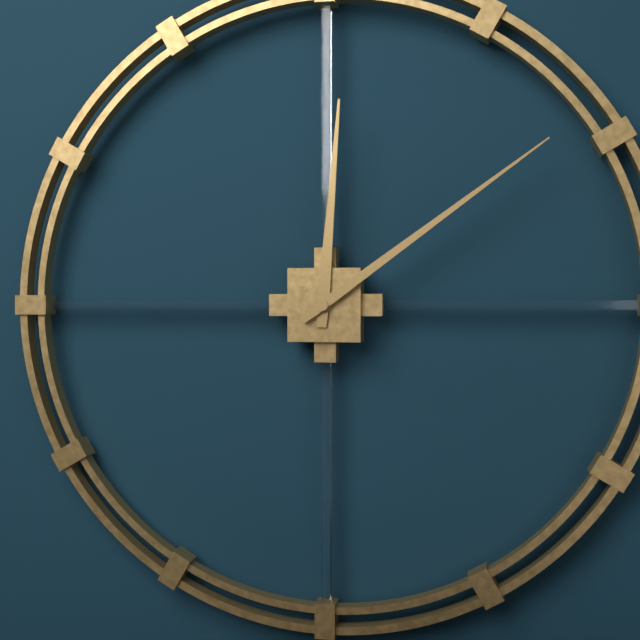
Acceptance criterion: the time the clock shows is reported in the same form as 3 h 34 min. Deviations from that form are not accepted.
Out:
12 h 09 min
